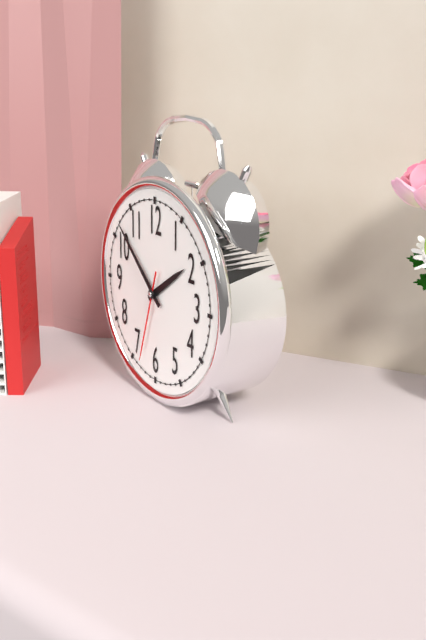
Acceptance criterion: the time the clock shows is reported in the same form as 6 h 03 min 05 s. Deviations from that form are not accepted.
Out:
1 h 52 min 33 s
